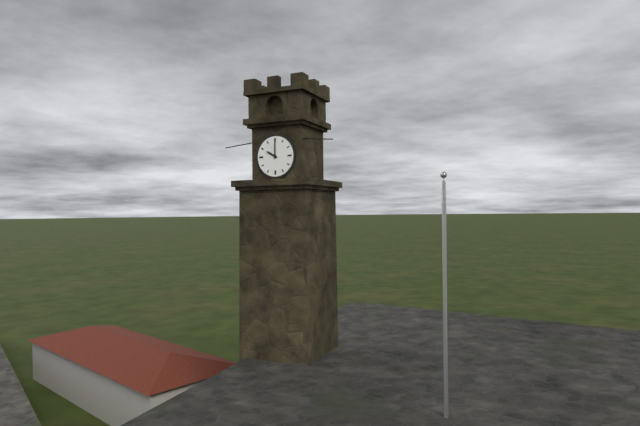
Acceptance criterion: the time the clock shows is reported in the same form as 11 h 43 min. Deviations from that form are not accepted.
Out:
10 h 00 min
